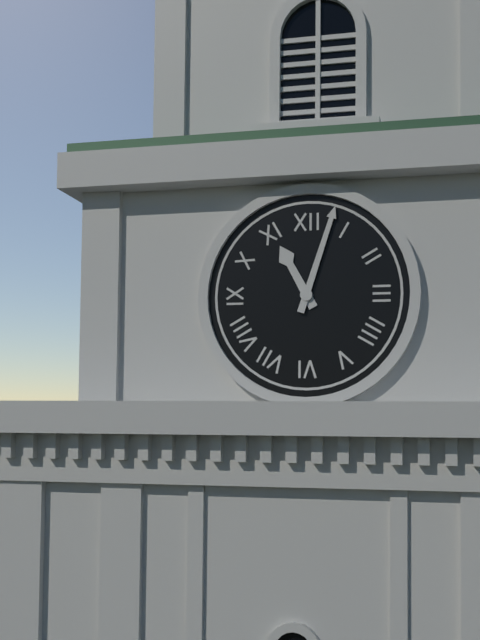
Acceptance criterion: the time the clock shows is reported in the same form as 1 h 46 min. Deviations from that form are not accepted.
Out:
11 h 03 min
